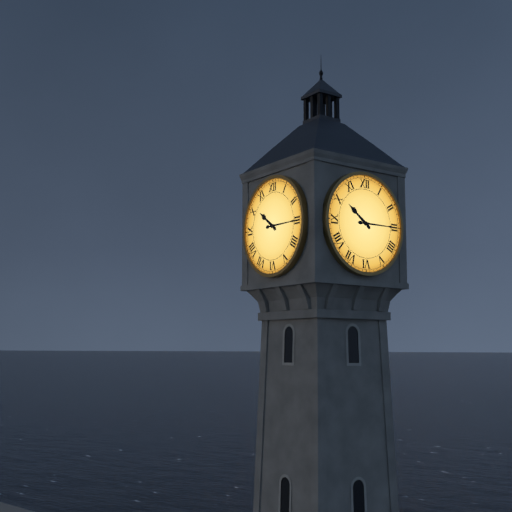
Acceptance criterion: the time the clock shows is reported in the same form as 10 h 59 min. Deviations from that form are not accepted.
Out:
10 h 15 min
